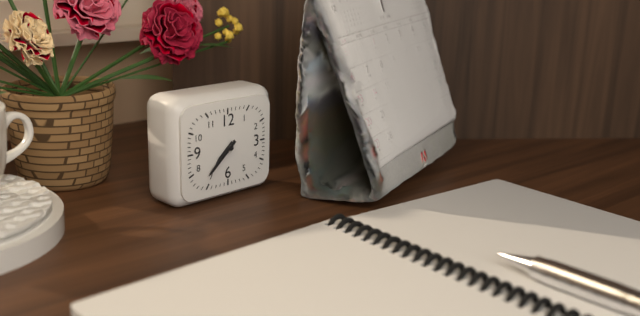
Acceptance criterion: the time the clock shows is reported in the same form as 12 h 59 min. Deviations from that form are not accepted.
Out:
7 h 38 min
